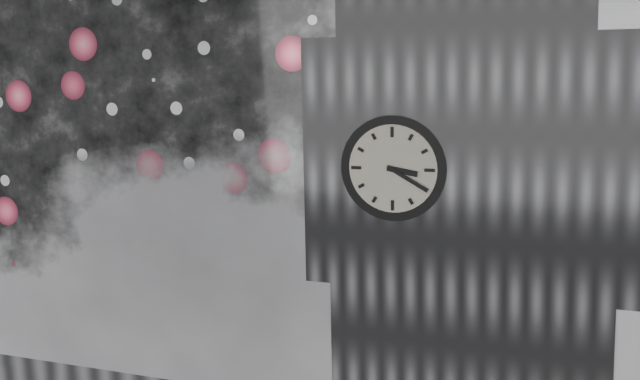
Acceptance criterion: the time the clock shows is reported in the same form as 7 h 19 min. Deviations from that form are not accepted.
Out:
3 h 20 min
